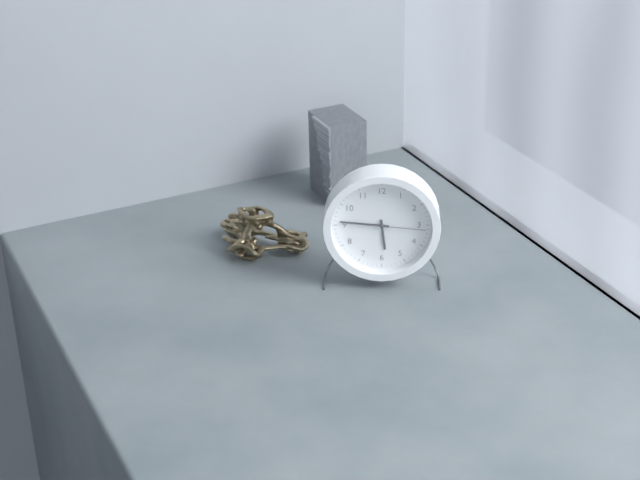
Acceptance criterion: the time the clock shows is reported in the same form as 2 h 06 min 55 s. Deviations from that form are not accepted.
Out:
5 h 46 min 16 s
